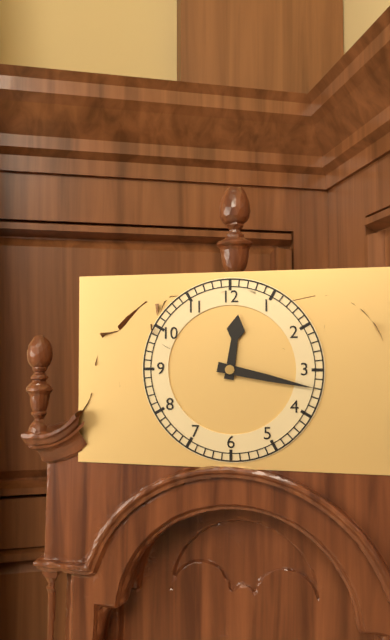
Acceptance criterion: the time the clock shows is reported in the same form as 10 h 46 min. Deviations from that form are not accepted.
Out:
12 h 17 min
